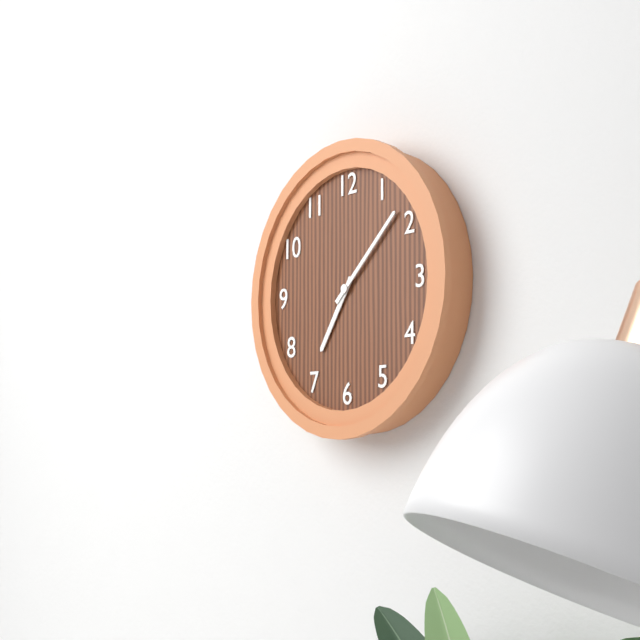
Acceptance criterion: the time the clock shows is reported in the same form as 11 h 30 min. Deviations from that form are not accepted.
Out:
7 h 08 min
